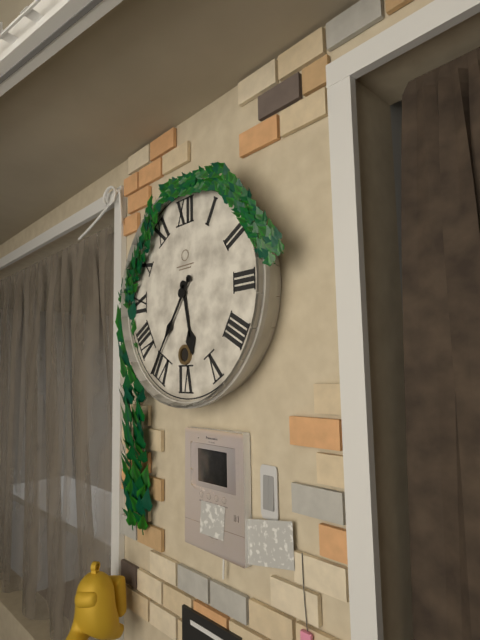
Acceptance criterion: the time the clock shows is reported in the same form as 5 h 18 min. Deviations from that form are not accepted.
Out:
5 h 36 min
